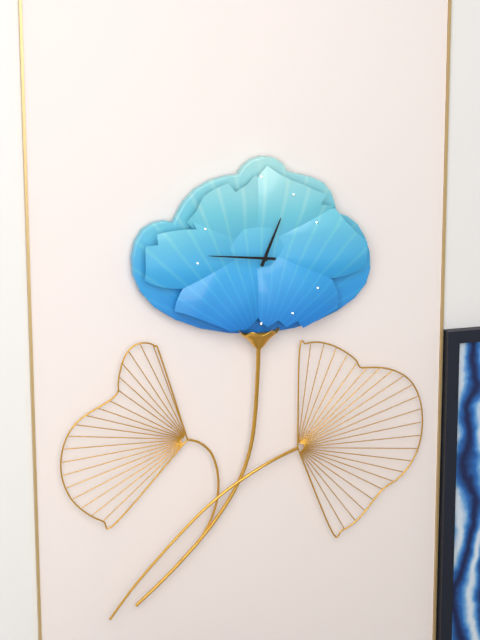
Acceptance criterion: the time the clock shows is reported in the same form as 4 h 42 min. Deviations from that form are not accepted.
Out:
12 h 46 min
